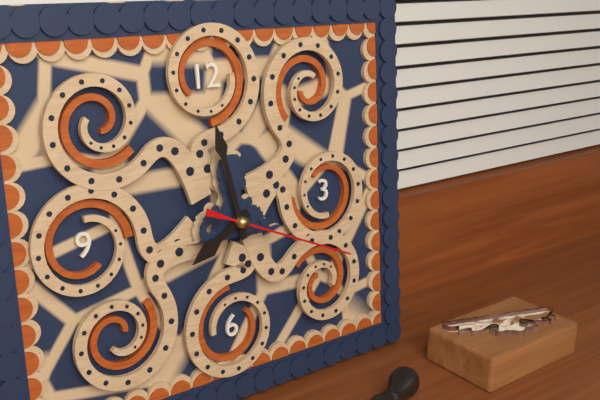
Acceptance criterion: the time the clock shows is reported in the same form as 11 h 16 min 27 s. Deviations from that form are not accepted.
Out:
7 h 58 min 19 s
